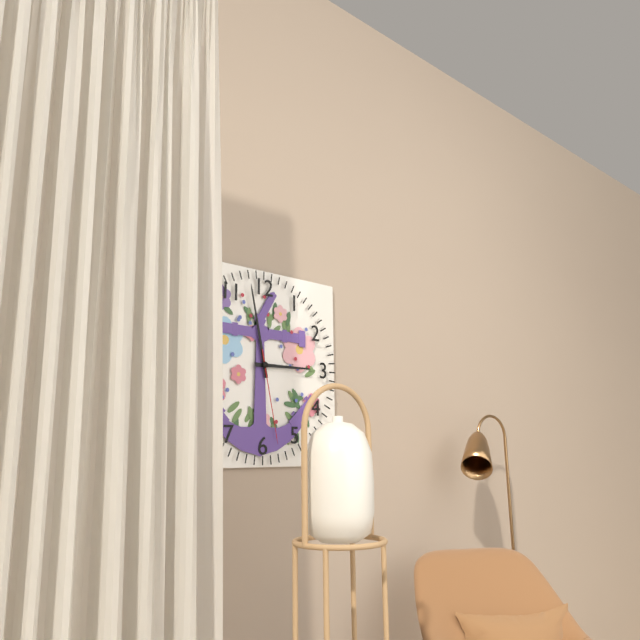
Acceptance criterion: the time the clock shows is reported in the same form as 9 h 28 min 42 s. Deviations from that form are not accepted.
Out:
2 h 58 min 28 s
